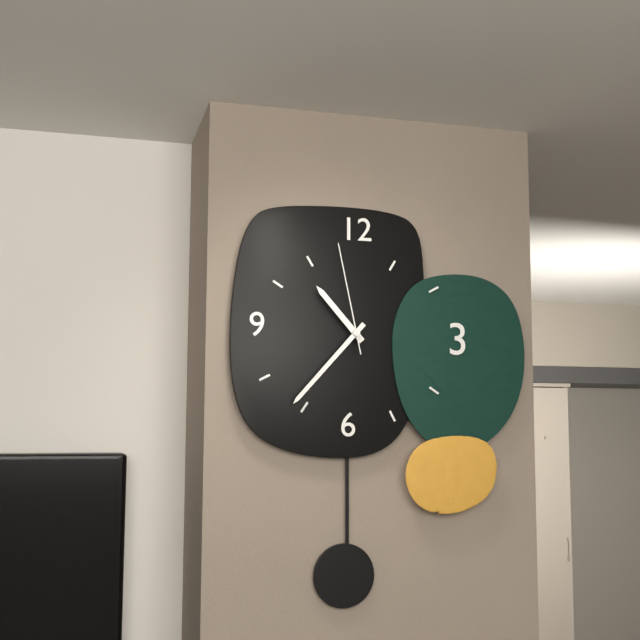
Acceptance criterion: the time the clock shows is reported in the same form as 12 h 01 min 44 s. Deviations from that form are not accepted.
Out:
10 h 37 min 58 s
